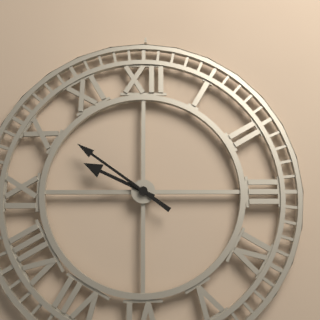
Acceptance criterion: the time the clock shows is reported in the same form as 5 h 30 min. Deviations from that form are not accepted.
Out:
9 h 51 min
